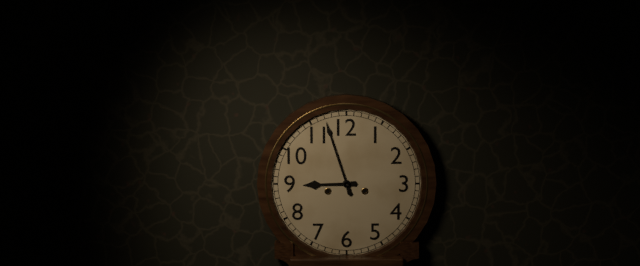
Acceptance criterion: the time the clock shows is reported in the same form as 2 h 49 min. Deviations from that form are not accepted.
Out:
8 h 57 min
